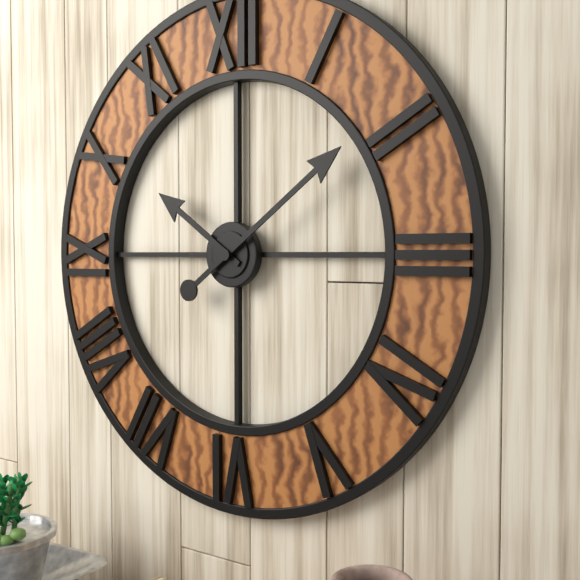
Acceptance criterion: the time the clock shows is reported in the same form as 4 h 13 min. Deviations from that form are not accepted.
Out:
10 h 09 min
